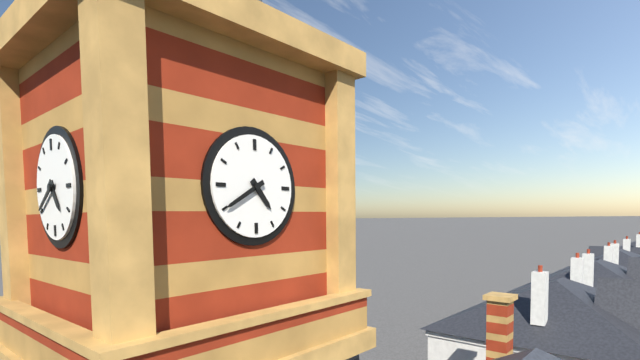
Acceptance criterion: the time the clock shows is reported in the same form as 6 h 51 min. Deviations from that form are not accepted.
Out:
4 h 40 min
